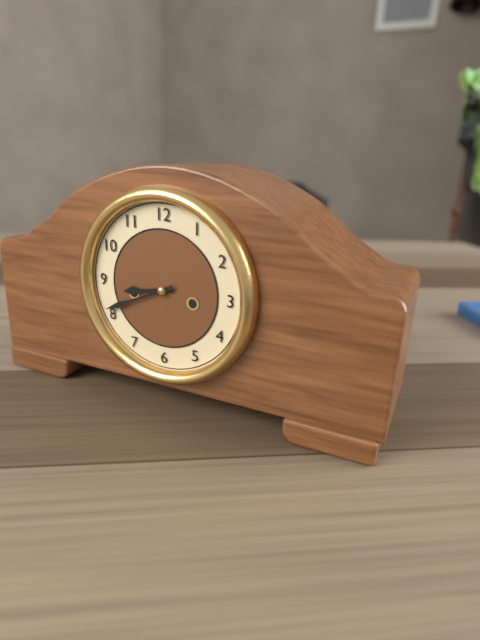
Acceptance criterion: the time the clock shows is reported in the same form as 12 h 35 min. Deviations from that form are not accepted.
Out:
8 h 41 min
